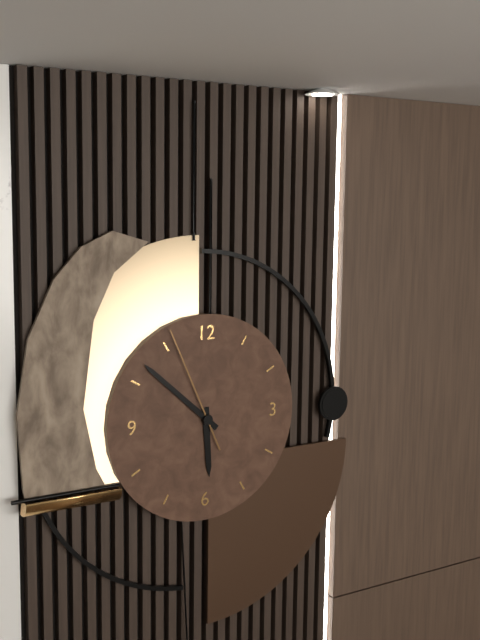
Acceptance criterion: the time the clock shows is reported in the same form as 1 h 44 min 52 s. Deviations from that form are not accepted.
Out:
5 h 52 min 56 s
